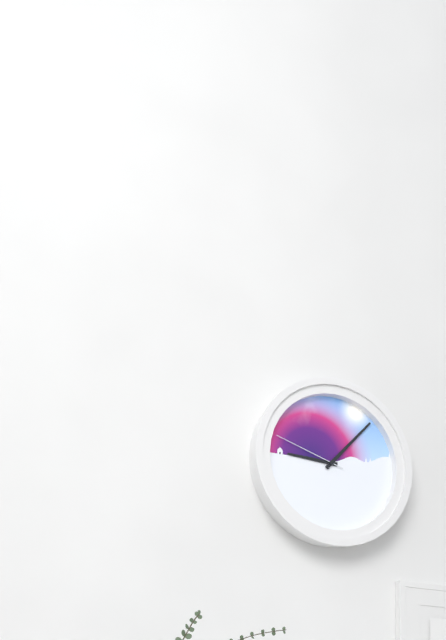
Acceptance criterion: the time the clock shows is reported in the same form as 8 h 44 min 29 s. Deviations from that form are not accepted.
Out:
9 h 07 min 48 s
